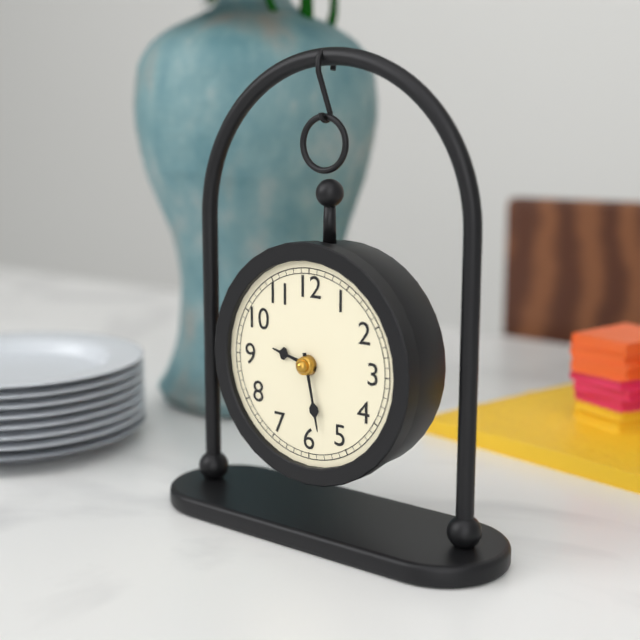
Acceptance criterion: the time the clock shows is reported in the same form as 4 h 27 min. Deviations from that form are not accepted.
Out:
9 h 28 min
